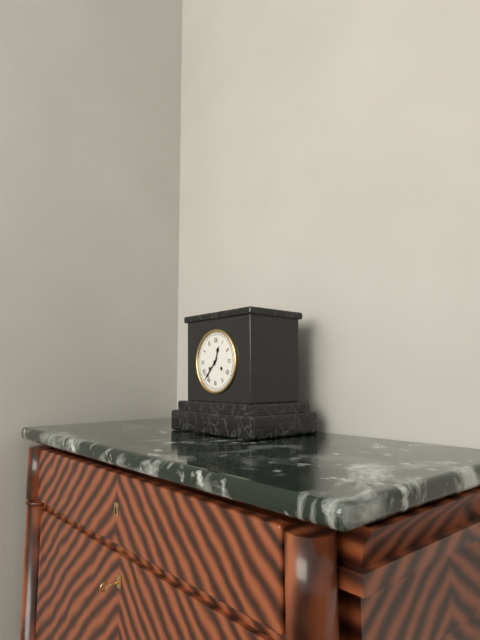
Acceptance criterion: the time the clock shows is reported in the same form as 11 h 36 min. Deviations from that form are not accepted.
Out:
12 h 37 min
